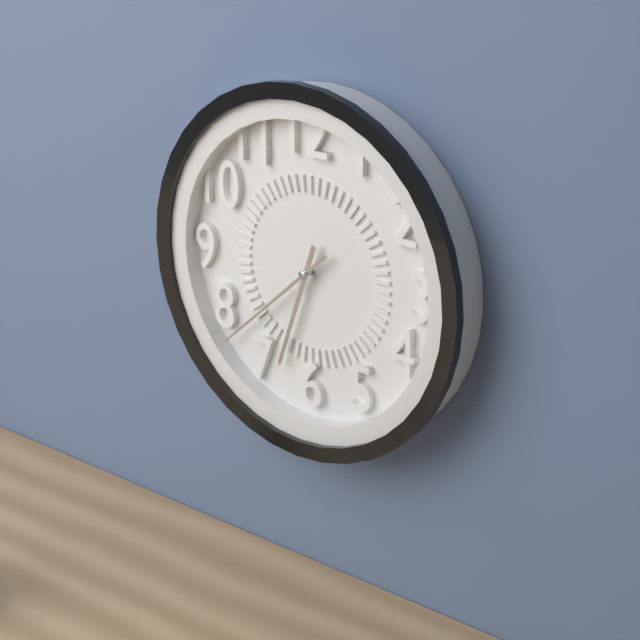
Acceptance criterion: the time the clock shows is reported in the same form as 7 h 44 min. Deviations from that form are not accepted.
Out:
6 h 38 min
